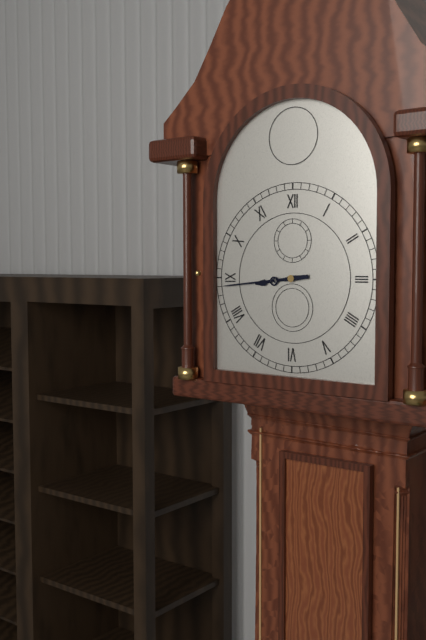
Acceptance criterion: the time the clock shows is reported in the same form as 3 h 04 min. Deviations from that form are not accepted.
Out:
8 h 44 min
